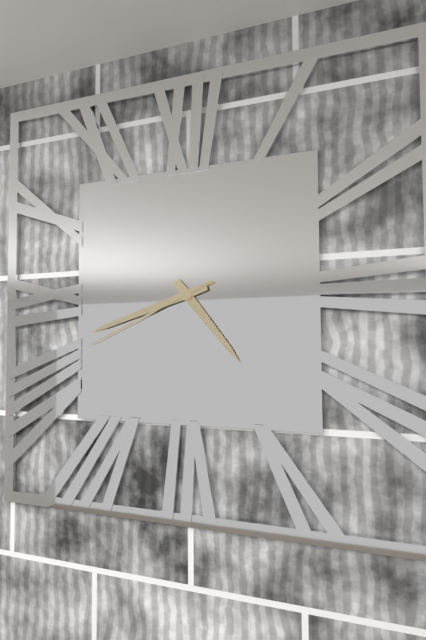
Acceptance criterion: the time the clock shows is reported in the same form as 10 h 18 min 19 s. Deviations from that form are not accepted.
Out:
4 h 42 min 41 s
